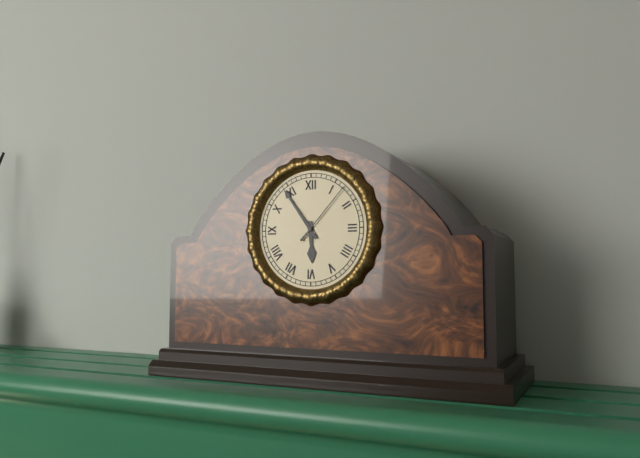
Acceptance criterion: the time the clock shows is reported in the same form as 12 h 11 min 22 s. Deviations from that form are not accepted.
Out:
5 h 54 min 07 s
